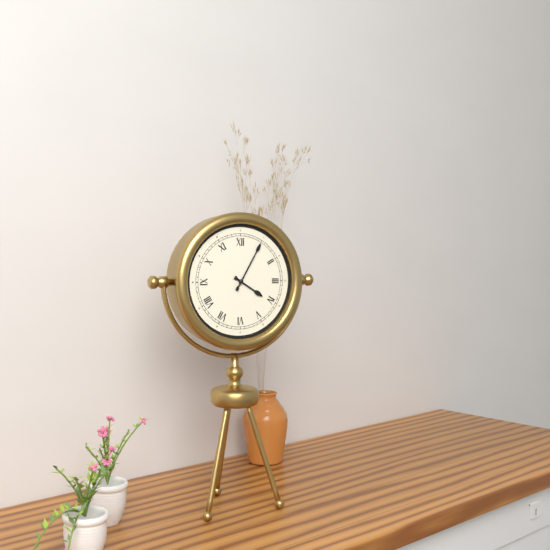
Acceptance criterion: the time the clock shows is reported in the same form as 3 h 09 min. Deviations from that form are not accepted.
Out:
4 h 05 min
